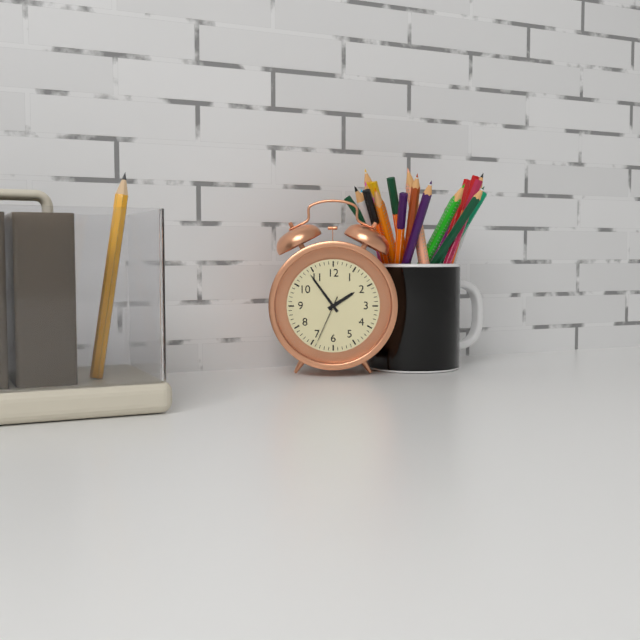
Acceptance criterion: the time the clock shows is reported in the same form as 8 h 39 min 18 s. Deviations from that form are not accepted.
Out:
1 h 54 min 34 s
